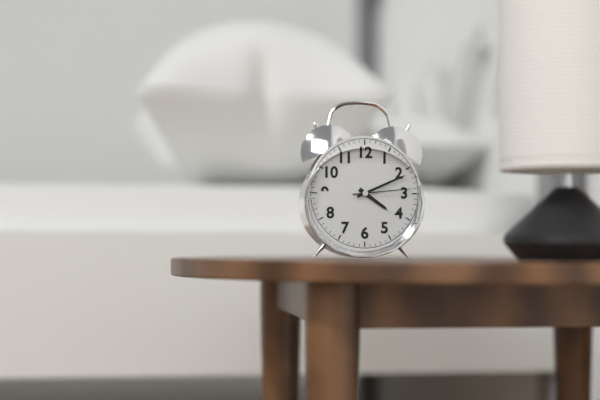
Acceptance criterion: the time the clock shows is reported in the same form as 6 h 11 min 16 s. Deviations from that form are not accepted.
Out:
4 h 11 min 14 s
